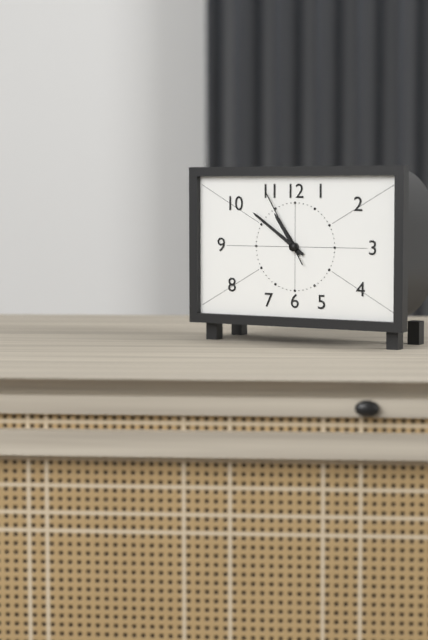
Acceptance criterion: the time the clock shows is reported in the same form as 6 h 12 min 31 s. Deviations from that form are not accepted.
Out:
10 h 51 min 55 s
